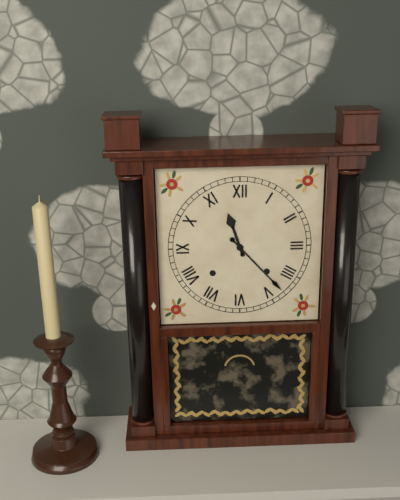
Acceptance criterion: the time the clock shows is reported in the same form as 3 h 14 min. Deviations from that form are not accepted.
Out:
11 h 23 min
